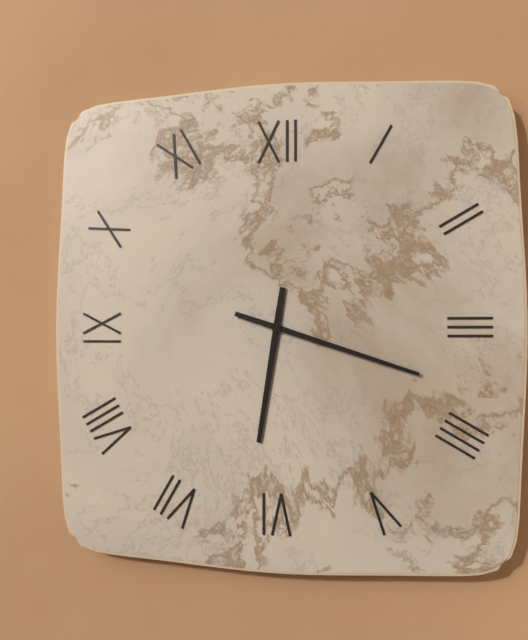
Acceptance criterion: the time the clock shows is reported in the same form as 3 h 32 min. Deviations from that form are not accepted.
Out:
6 h 18 min
